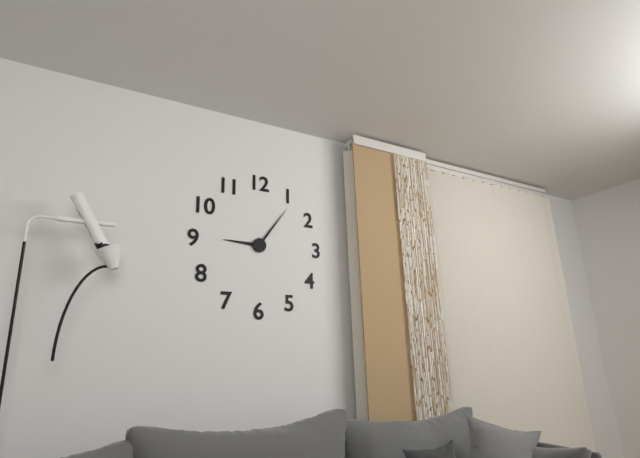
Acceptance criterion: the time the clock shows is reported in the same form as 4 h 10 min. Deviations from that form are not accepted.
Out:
9 h 06 min
